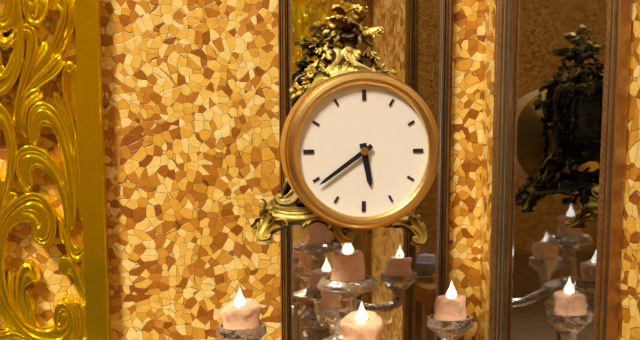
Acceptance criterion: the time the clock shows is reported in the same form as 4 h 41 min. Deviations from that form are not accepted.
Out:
5 h 39 min
